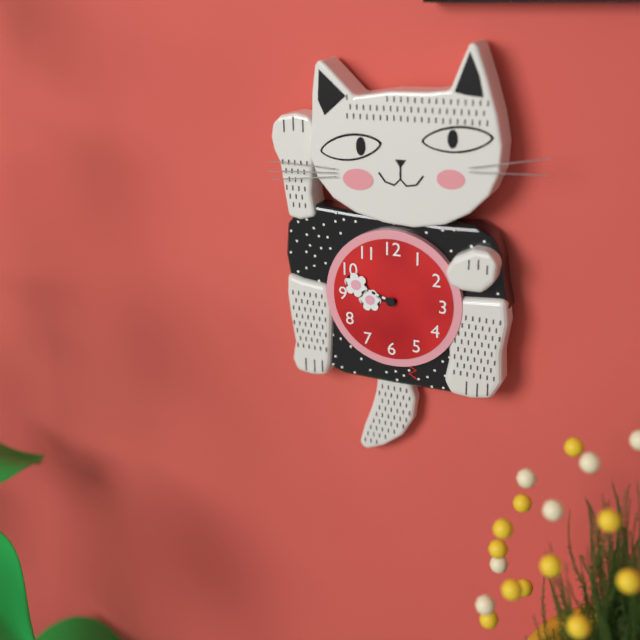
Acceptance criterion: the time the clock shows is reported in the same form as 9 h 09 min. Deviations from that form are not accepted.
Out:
8 h 48 min
